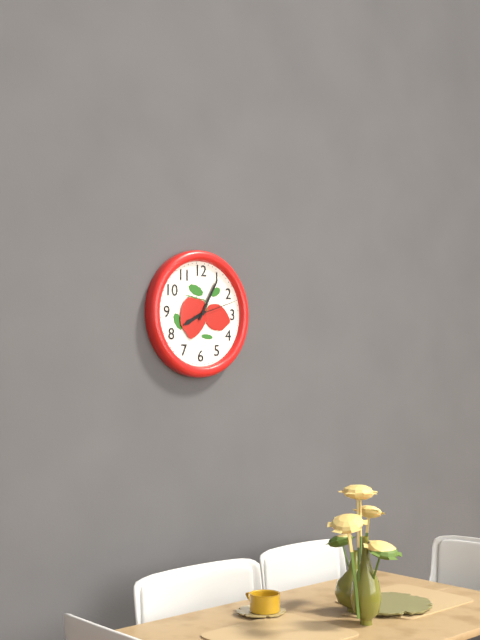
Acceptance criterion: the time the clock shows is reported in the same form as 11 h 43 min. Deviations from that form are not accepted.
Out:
8 h 05 min
